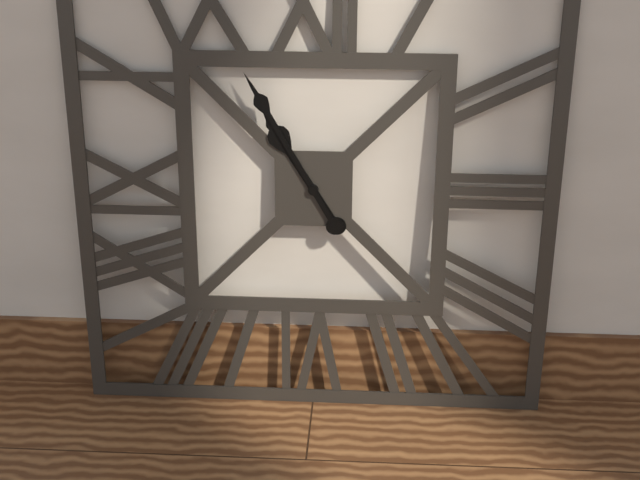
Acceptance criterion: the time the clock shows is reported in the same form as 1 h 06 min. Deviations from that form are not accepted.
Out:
10 h 55 min
